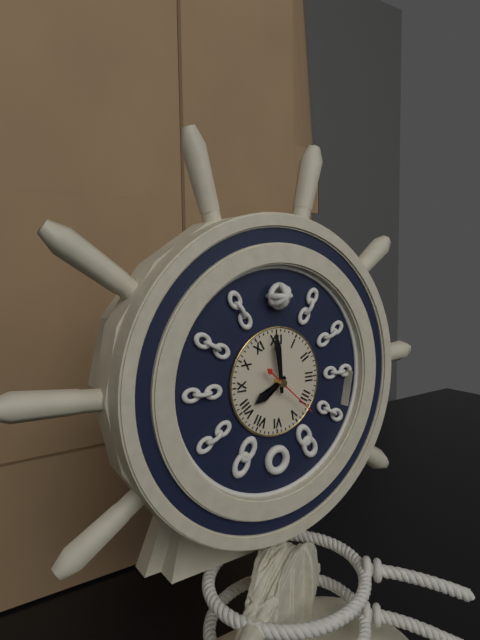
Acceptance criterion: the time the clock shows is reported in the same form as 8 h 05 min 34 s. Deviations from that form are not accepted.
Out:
7 h 59 min 22 s
